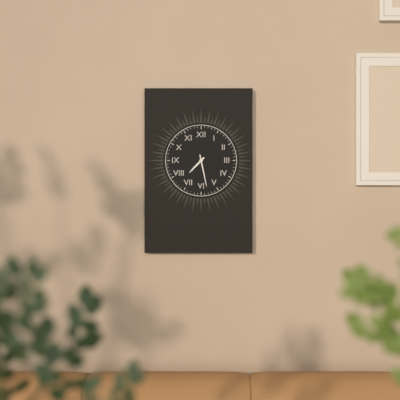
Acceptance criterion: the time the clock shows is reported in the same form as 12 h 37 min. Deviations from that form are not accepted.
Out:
7 h 28 min
